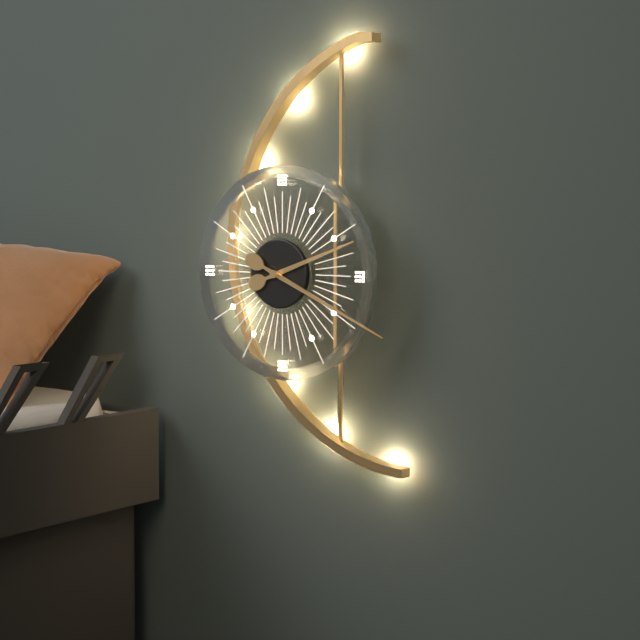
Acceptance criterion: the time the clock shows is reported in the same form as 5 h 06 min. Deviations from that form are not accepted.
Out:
2 h 19 min
